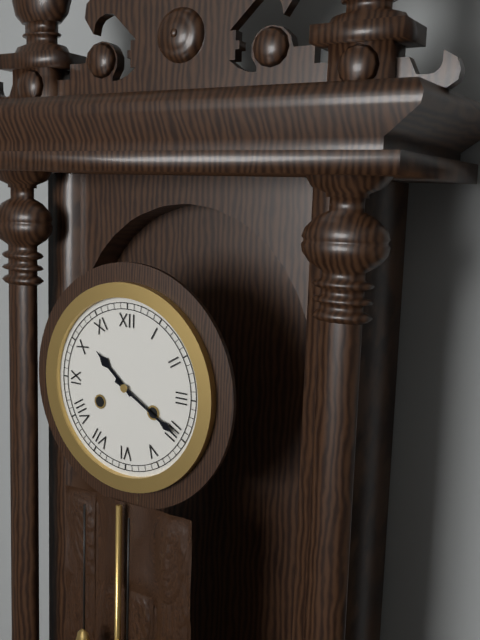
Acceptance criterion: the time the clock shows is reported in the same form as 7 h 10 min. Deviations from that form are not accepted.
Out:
10 h 20 min
